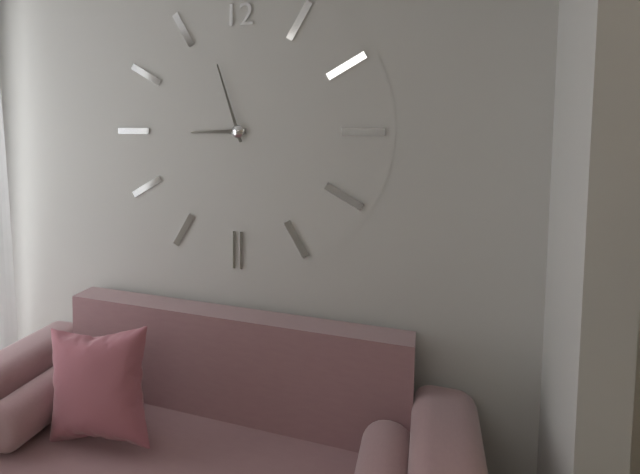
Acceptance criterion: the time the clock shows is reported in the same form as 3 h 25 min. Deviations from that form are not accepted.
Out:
8 h 57 min
